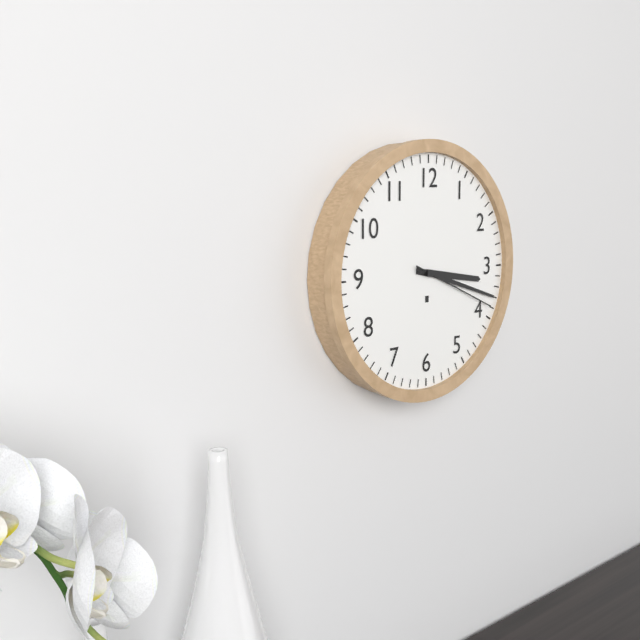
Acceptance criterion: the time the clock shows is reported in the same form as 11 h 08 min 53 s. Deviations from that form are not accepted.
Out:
3 h 18 min 19 s
